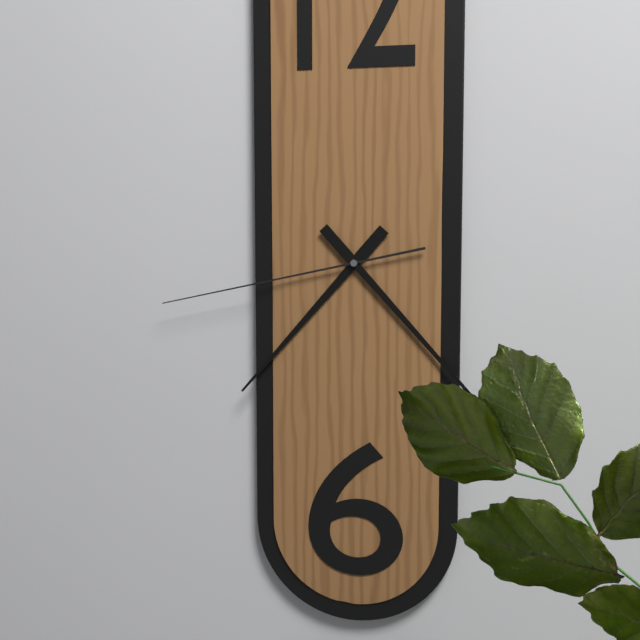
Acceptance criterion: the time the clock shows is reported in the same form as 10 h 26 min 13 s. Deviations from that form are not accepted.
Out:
7 h 23 min 43 s
